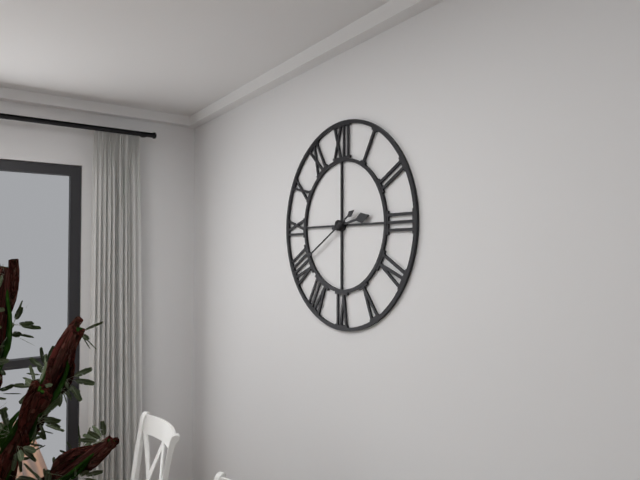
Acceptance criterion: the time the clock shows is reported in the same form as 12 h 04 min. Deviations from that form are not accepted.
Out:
2 h 40 min
